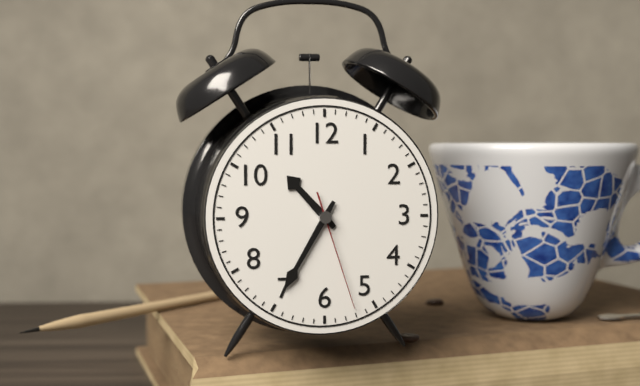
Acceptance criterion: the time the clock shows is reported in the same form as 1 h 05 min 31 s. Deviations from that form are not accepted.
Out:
10 h 35 min 27 s
